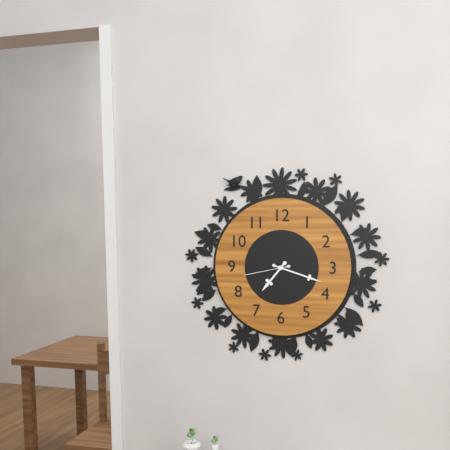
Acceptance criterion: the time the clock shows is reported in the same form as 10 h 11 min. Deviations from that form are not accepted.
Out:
7 h 18 min
